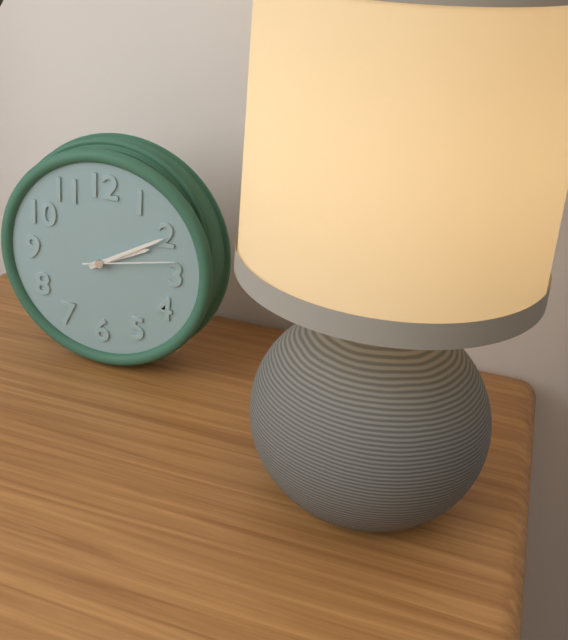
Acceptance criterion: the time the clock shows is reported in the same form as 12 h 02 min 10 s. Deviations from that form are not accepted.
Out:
2 h 10 min 13 s
